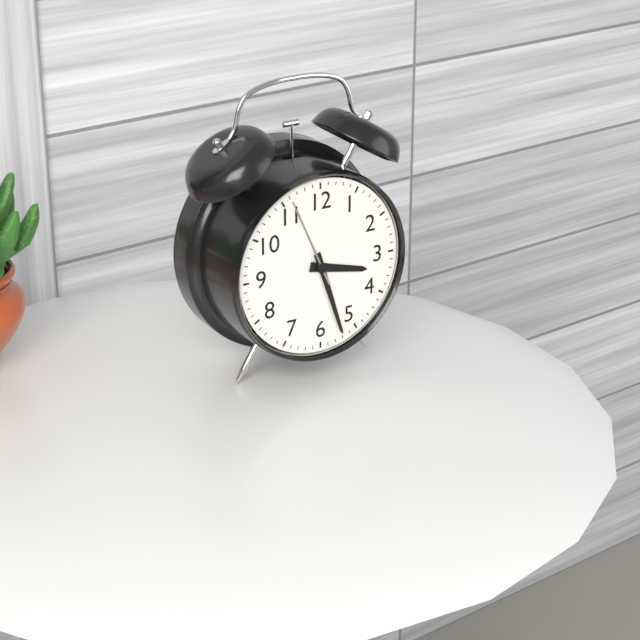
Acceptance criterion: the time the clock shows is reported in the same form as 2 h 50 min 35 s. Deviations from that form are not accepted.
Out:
3 h 27 min 56 s
